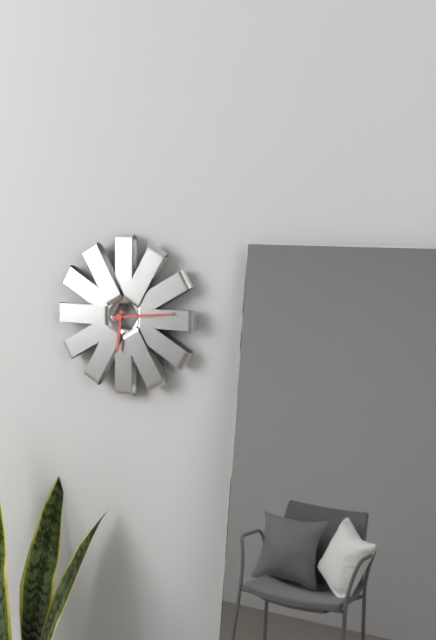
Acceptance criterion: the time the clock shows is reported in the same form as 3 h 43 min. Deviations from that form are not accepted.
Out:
6 h 14 min
